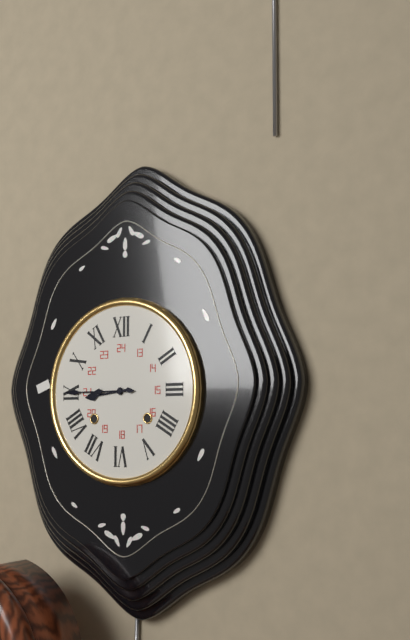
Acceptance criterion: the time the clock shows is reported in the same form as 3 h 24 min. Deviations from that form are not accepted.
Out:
8 h 45 min
